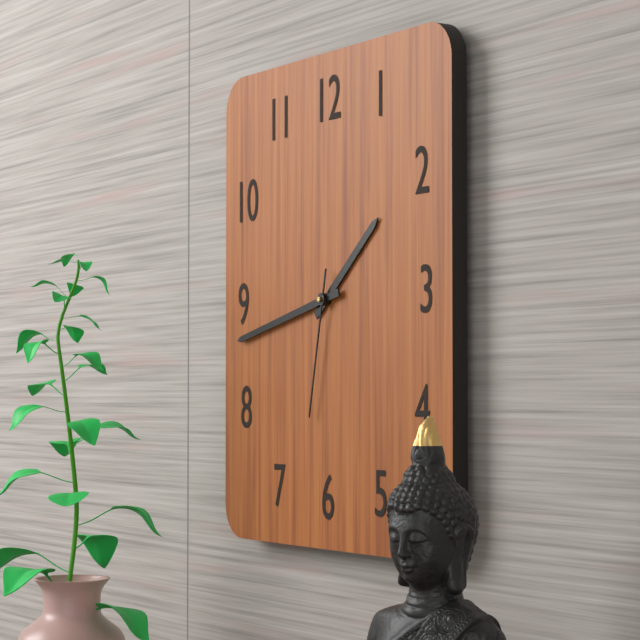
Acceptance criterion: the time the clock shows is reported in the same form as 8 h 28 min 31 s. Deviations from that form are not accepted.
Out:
1 h 43 min 32 s
